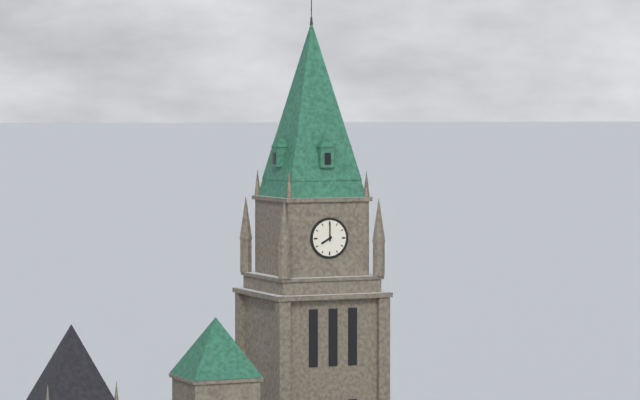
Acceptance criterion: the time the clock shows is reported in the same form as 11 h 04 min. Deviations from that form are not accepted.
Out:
8 h 00 min
